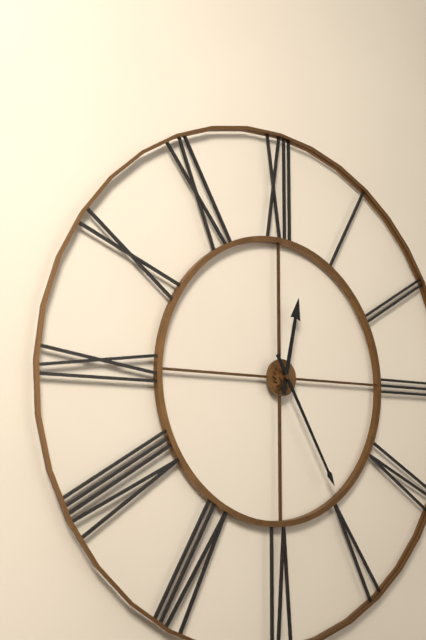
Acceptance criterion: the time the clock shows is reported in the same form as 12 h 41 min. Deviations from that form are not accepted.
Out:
12 h 25 min
